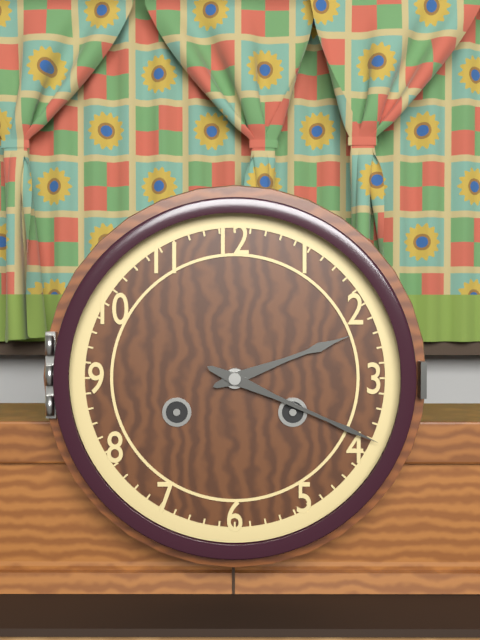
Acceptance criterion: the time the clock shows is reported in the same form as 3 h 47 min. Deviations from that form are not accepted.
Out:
2 h 19 min
